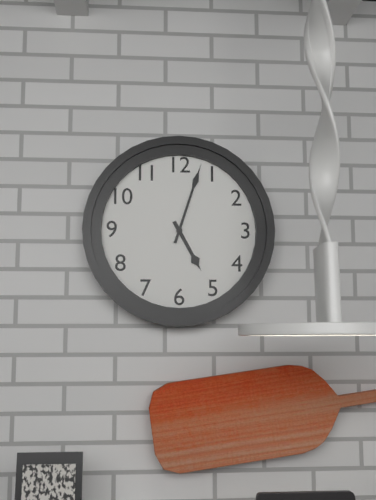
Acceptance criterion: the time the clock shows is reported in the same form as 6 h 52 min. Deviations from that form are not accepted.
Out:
5 h 03 min
